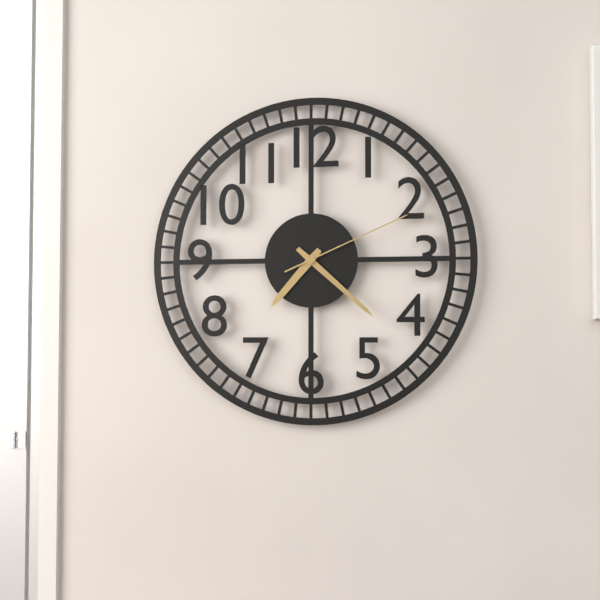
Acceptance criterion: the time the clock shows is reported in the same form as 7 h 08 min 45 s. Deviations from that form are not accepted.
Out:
7 h 22 min 11 s
